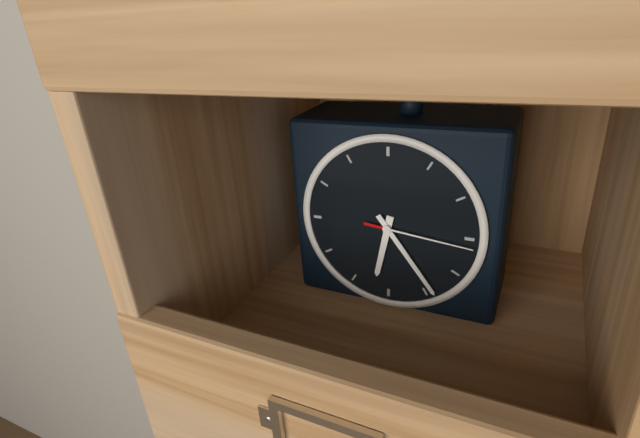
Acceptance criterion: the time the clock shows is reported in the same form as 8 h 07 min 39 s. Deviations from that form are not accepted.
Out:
6 h 24 min 16 s
